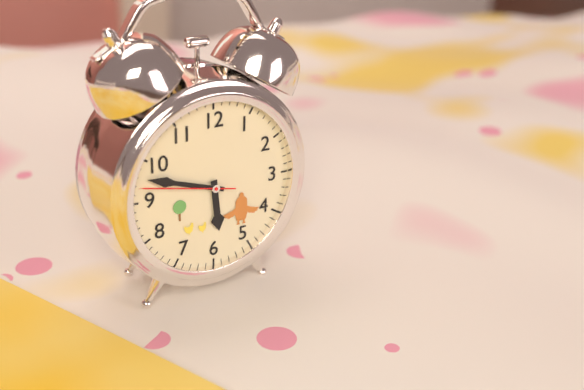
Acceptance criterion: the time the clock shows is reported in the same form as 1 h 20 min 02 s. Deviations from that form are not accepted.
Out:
5 h 48 min 47 s
